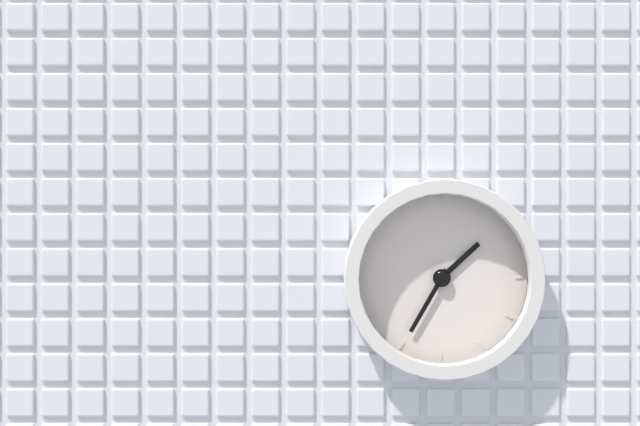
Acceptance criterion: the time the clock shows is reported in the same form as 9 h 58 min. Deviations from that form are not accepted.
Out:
1 h 35 min
